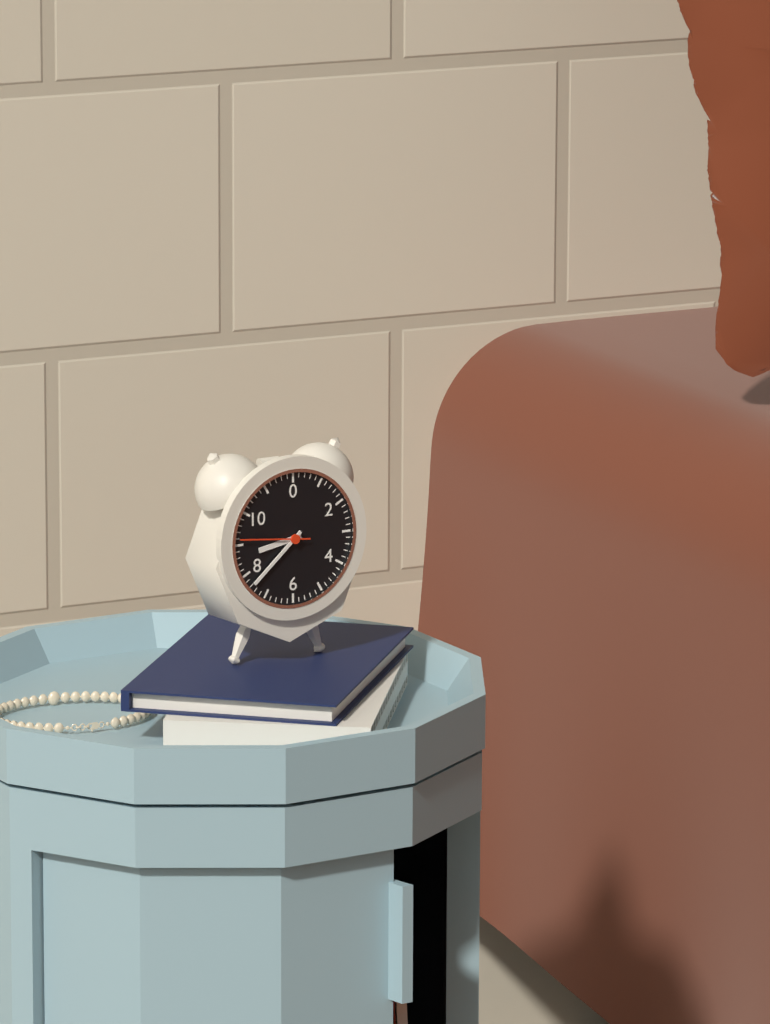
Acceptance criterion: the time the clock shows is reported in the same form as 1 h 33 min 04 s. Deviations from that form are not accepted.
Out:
8 h 38 min 46 s
